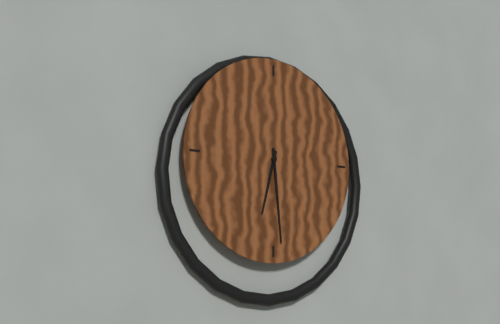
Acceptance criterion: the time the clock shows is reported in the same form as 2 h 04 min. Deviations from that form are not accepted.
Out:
6 h 29 min
